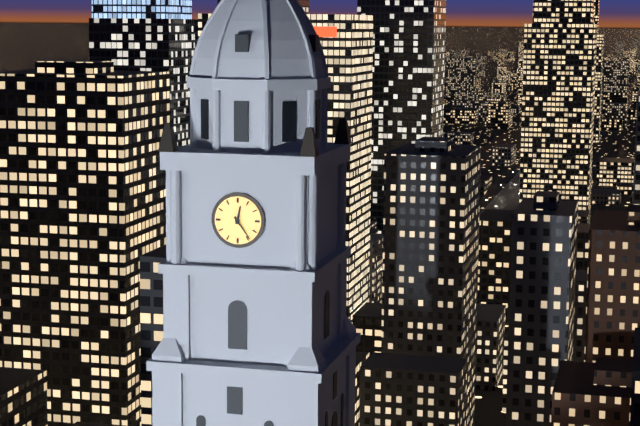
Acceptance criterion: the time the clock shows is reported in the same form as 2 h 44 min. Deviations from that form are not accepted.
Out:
12 h 24 min
